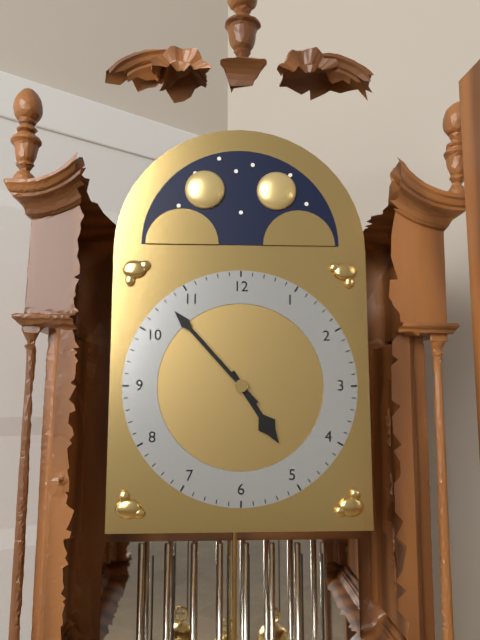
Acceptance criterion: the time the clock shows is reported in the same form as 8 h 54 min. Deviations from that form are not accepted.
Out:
4 h 53 min
